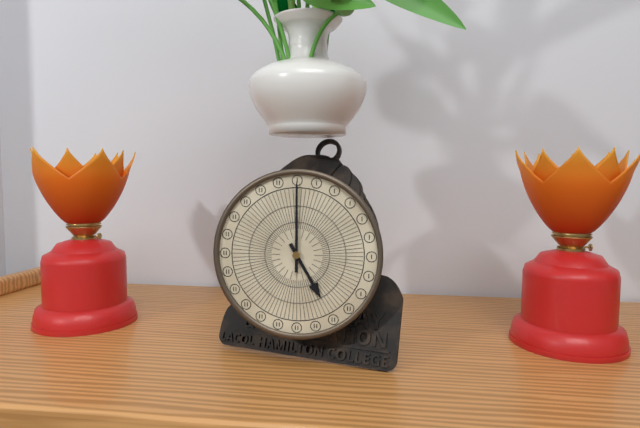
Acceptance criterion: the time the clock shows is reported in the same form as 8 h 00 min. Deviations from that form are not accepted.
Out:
5 h 00 min
